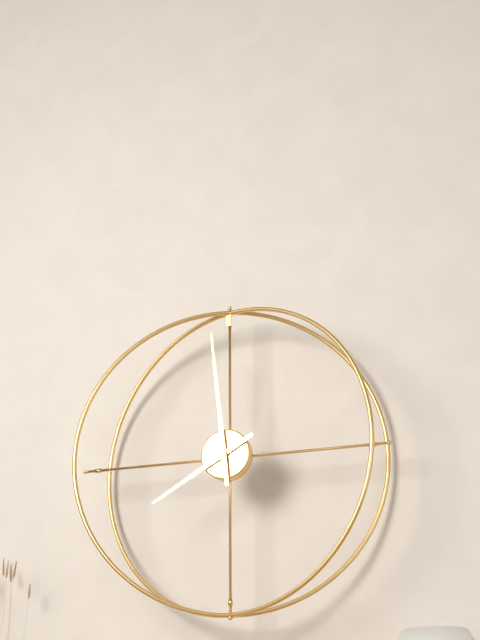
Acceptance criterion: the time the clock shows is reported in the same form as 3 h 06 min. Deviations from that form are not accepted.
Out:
7 h 59 min
